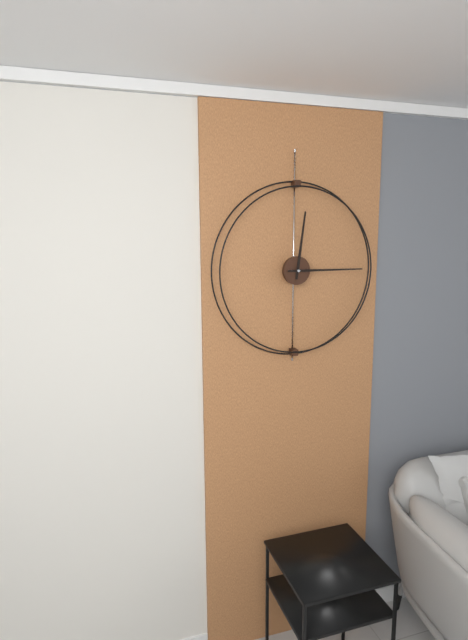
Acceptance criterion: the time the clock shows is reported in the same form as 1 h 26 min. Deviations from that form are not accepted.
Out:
12 h 15 min
